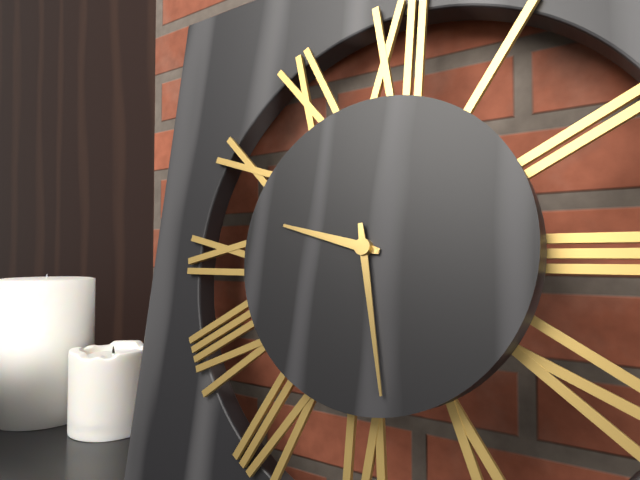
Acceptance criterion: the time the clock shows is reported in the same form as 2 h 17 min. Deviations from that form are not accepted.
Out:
9 h 28 min
